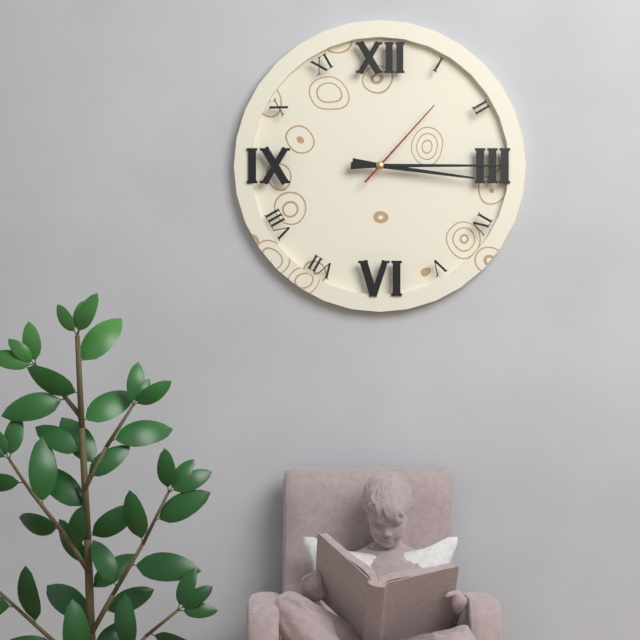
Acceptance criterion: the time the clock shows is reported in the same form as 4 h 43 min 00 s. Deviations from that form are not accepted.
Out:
3 h 15 min 07 s
